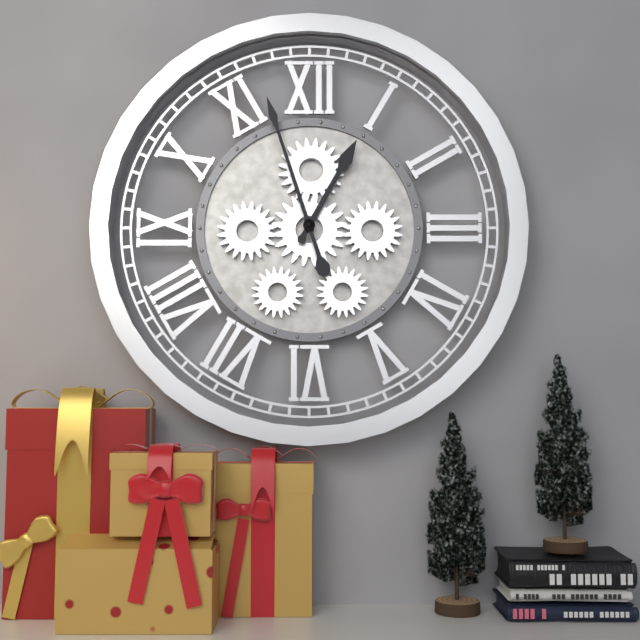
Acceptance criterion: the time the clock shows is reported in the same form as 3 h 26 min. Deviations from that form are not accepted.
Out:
12 h 57 min
